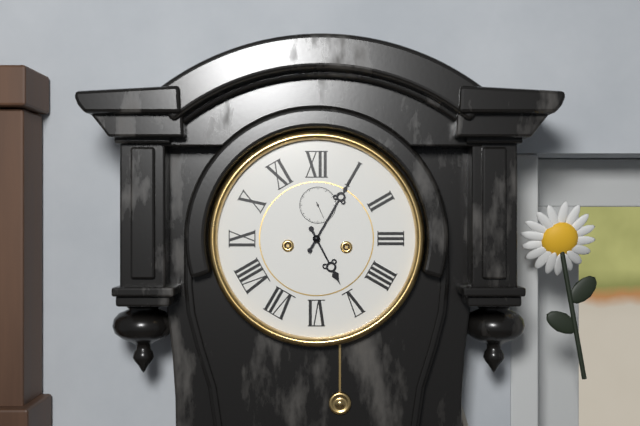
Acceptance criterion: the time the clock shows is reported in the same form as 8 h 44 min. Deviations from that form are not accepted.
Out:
5 h 05 min
